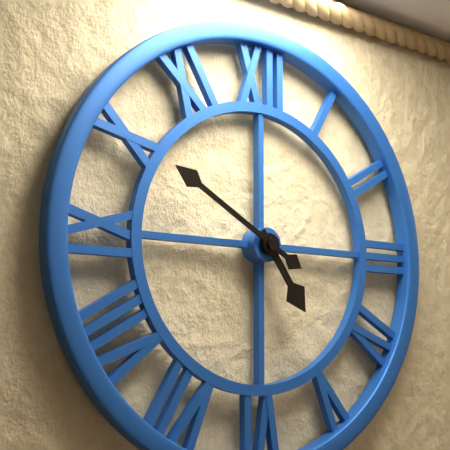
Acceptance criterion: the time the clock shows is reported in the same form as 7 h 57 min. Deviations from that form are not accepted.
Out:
4 h 50 min
